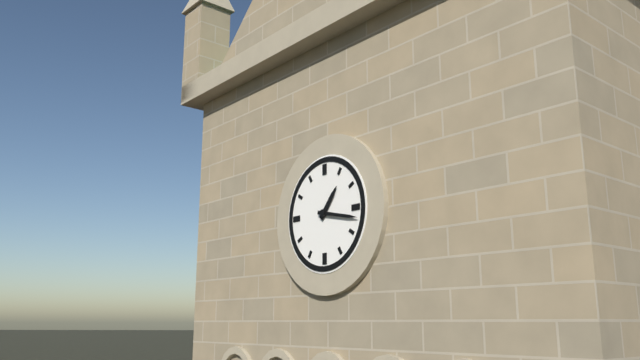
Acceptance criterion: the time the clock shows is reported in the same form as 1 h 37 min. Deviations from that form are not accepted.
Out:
1 h 17 min
